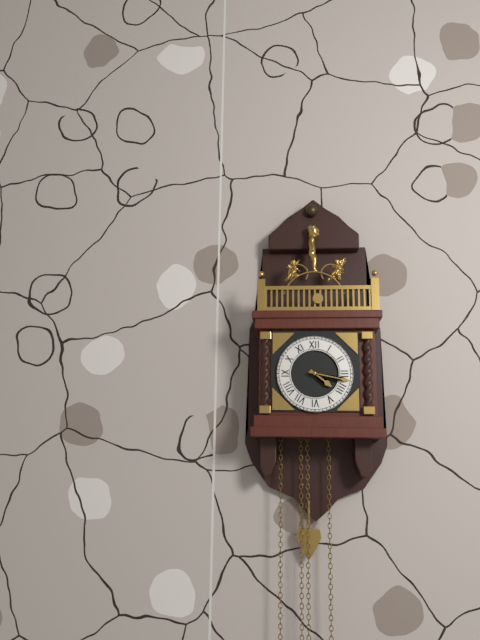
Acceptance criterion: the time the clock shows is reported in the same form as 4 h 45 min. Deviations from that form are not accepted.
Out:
4 h 17 min
